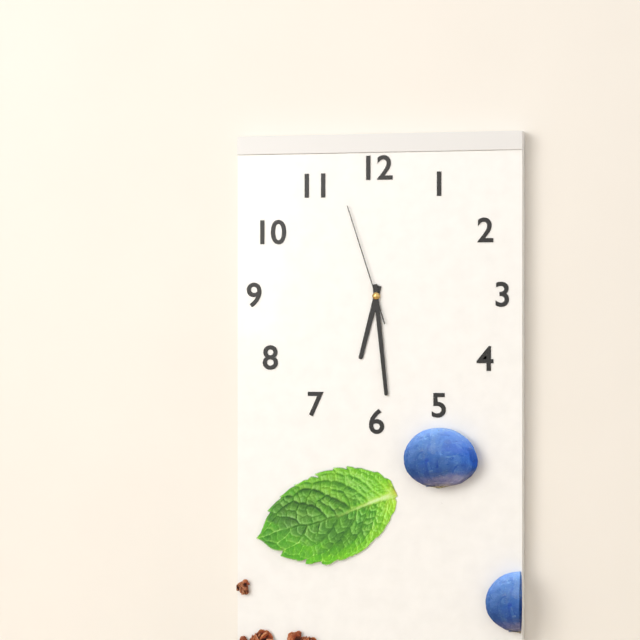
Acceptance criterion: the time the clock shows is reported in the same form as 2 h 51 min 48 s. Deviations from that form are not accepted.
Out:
6 h 29 min 57 s
